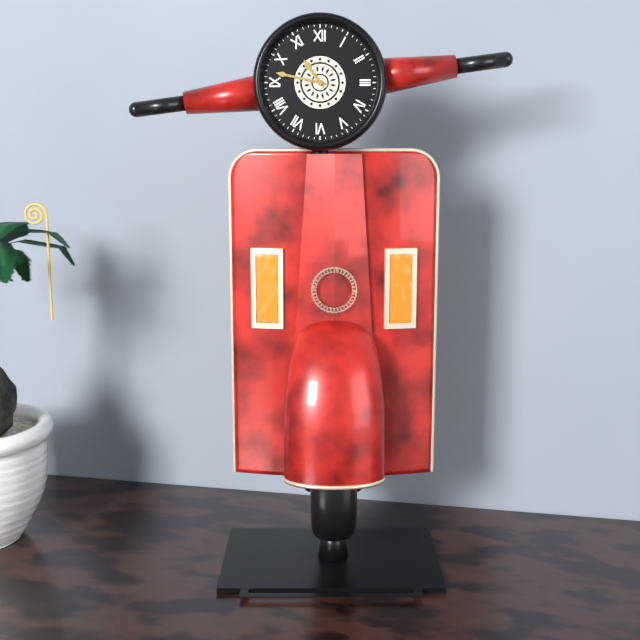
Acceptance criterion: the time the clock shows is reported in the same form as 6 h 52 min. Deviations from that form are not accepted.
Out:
10 h 47 min
